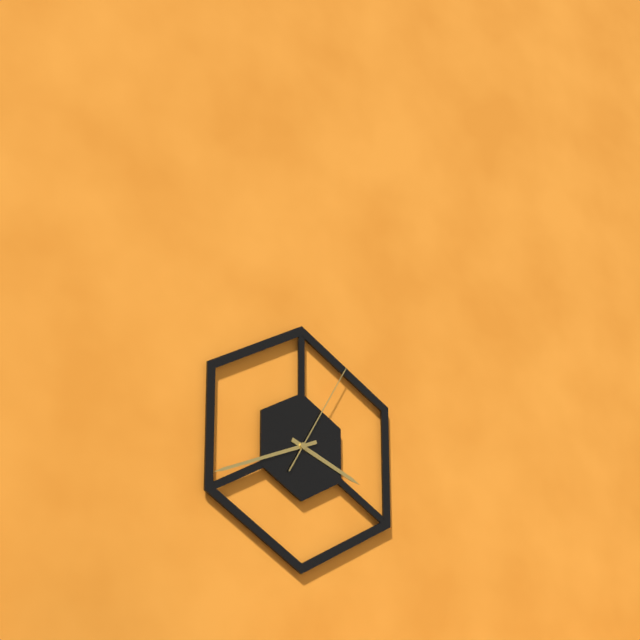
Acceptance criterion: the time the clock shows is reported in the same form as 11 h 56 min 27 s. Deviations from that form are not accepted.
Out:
3 h 41 min 05 s
